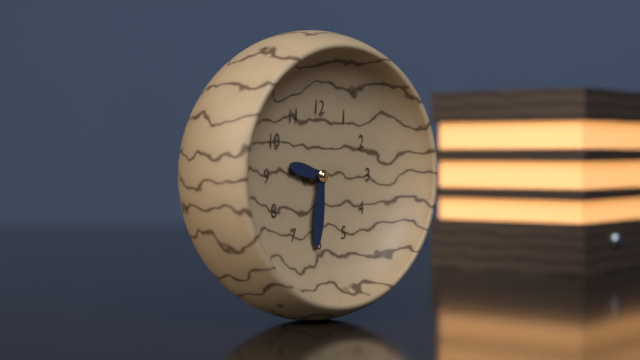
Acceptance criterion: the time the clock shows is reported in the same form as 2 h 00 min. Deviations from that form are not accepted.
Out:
9 h 31 min
